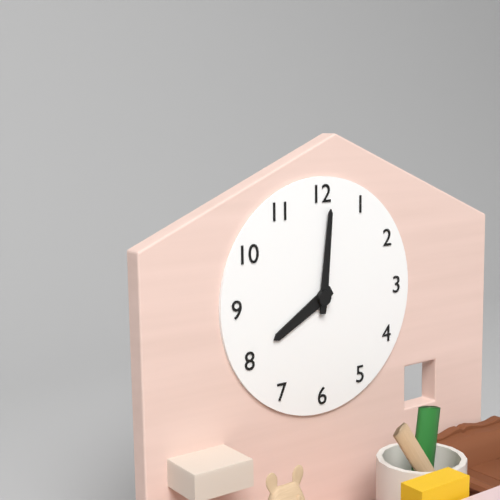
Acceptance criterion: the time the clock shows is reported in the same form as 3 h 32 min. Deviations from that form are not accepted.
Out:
8 h 01 min
